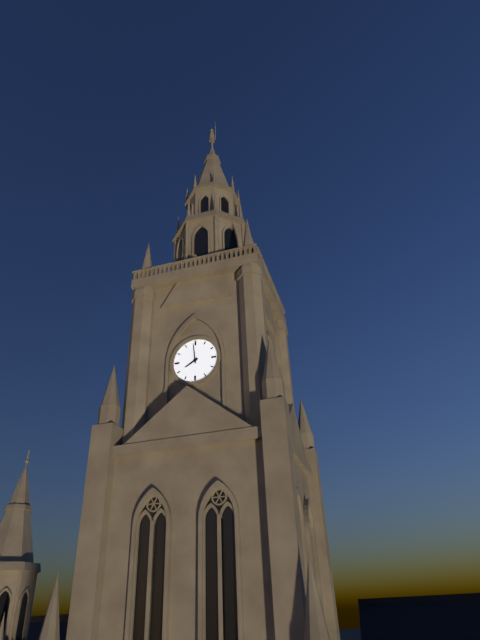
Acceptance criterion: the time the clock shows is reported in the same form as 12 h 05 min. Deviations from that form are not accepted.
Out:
7 h 59 min
